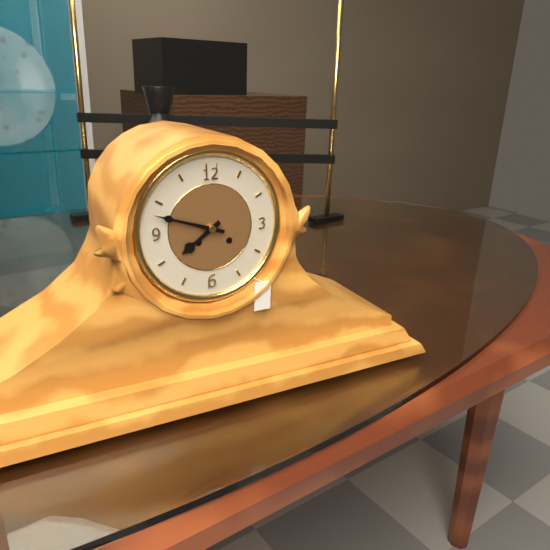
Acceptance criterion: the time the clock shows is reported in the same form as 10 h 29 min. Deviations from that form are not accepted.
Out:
7 h 48 min
